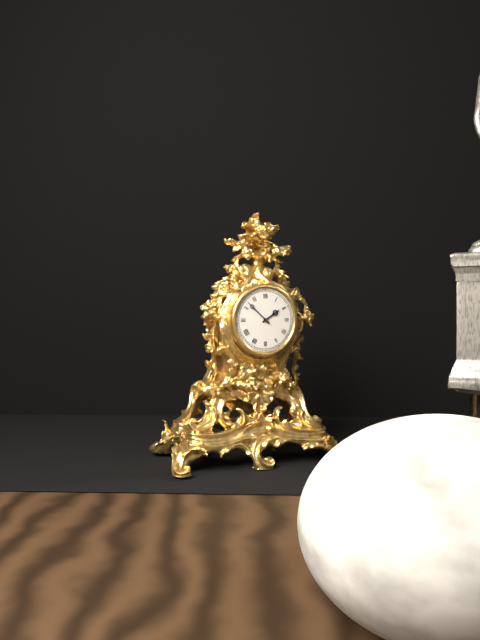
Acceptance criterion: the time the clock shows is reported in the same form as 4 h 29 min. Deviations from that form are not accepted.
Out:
1 h 52 min
